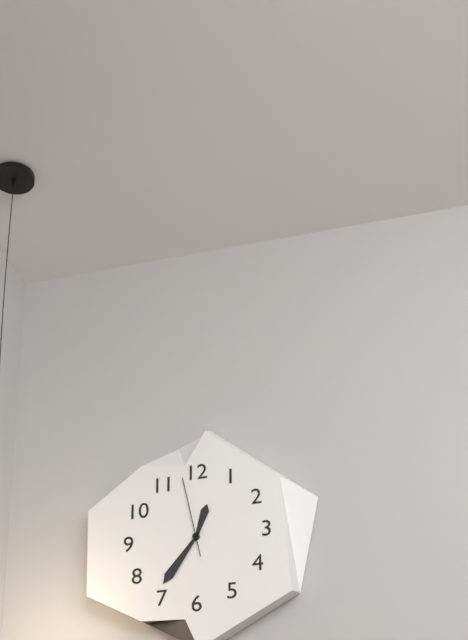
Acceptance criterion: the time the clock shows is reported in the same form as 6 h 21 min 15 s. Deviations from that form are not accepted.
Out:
12 h 36 min 58 s
